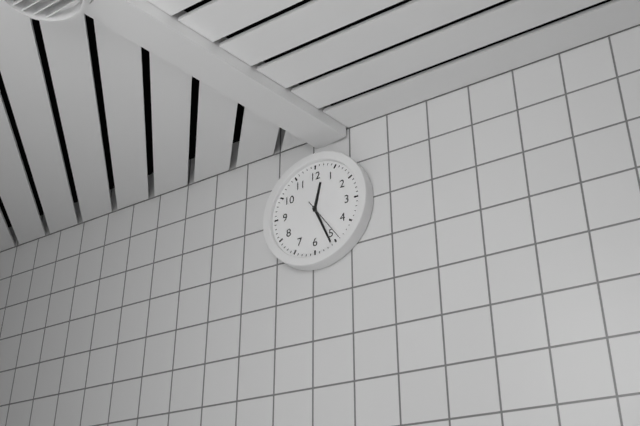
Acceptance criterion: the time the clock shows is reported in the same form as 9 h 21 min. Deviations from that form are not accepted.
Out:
12 h 26 min
